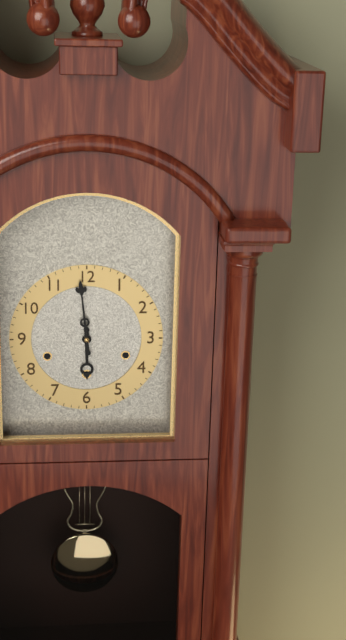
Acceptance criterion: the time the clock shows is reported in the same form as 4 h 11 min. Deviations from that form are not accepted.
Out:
5 h 59 min
